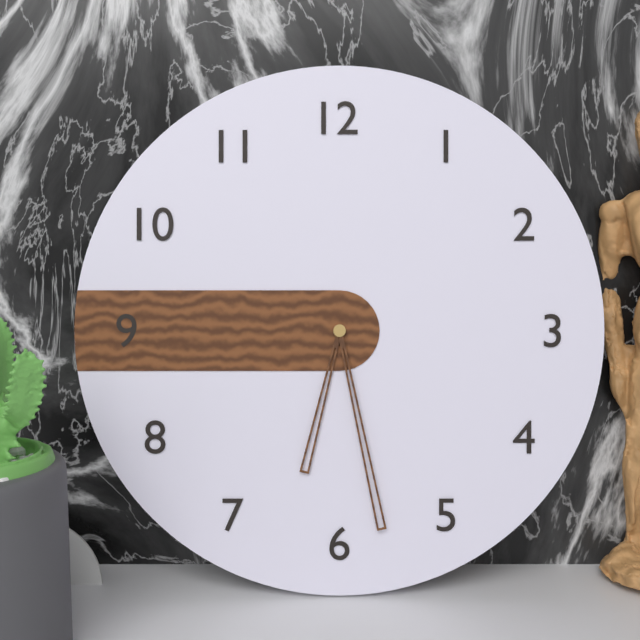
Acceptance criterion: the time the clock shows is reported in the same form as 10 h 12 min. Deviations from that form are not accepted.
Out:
6 h 28 min
